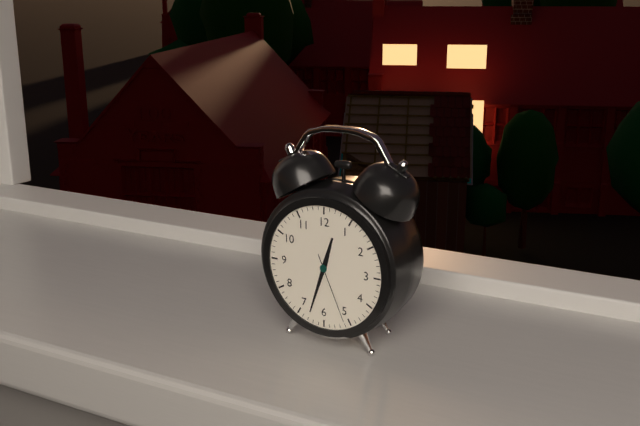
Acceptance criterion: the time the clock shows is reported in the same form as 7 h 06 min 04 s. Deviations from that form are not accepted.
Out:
12 h 33 min 26 s
